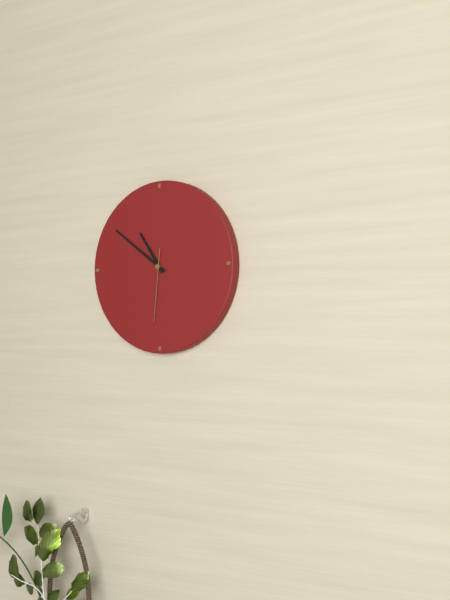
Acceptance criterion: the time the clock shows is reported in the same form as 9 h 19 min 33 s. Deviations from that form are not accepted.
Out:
10 h 51 min 31 s
